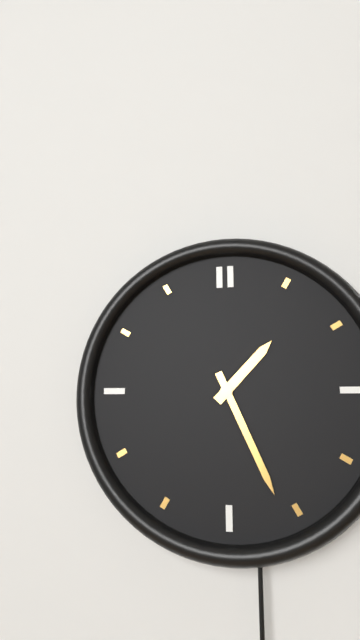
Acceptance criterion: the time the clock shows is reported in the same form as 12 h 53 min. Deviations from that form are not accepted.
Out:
1 h 26 min
